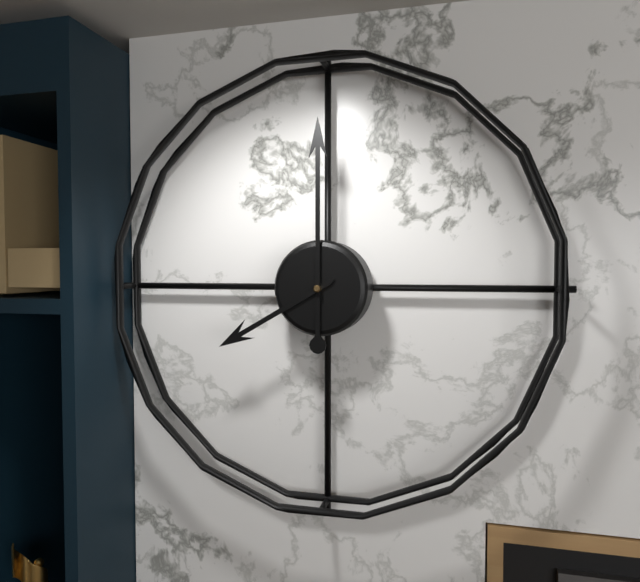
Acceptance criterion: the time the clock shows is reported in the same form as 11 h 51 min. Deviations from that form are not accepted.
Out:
8 h 00 min
